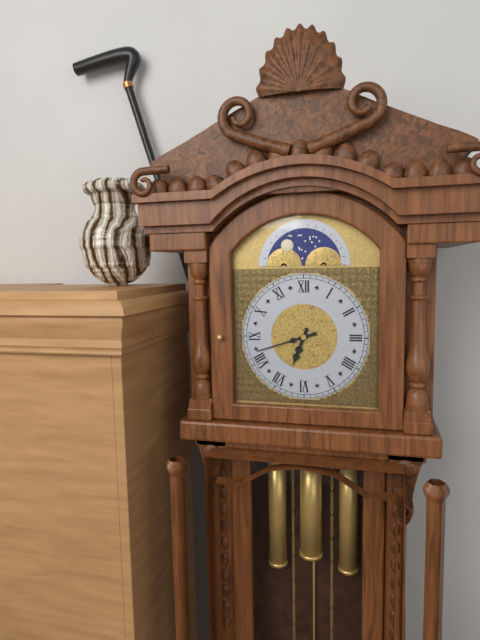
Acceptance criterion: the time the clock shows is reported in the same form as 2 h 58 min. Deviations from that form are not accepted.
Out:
6 h 42 min
